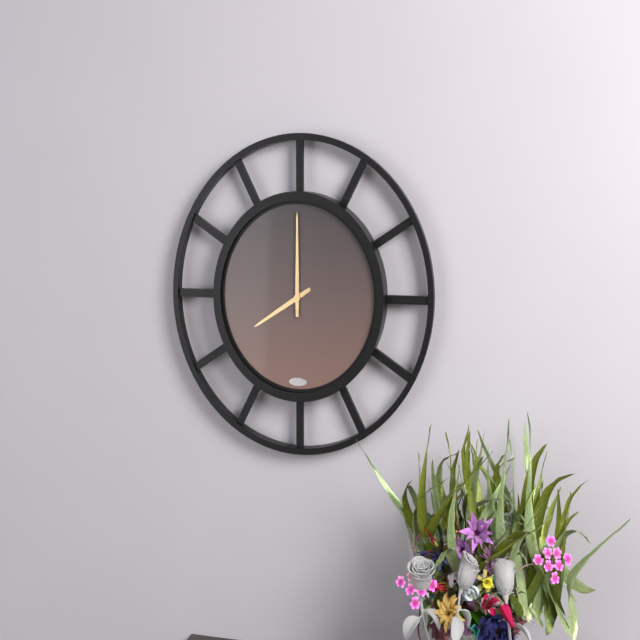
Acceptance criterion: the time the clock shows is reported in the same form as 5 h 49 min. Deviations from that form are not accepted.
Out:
8 h 00 min
